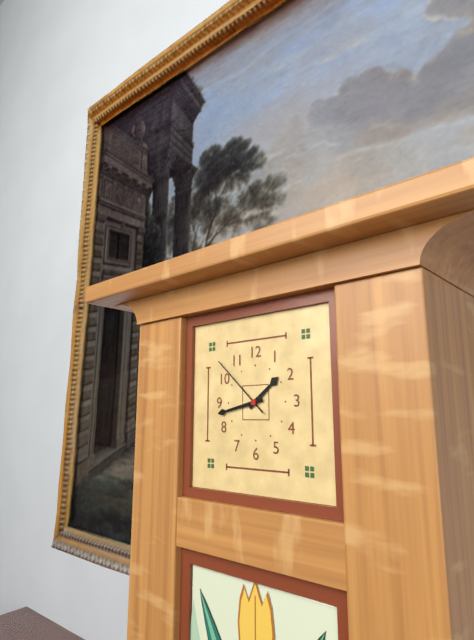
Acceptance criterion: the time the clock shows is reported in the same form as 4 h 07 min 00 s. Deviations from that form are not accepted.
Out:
1 h 43 min 52 s
